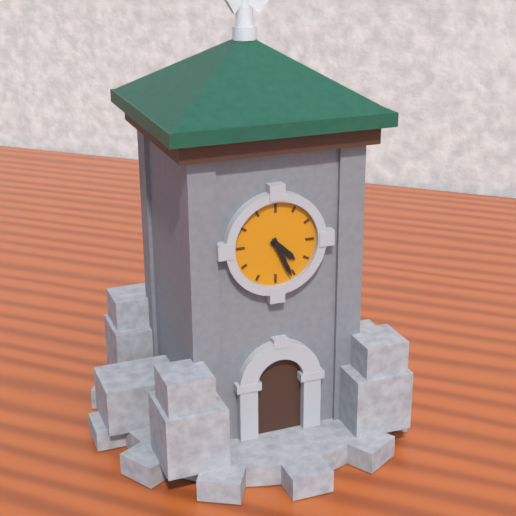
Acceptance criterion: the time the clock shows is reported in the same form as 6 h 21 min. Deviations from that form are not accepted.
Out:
4 h 26 min
